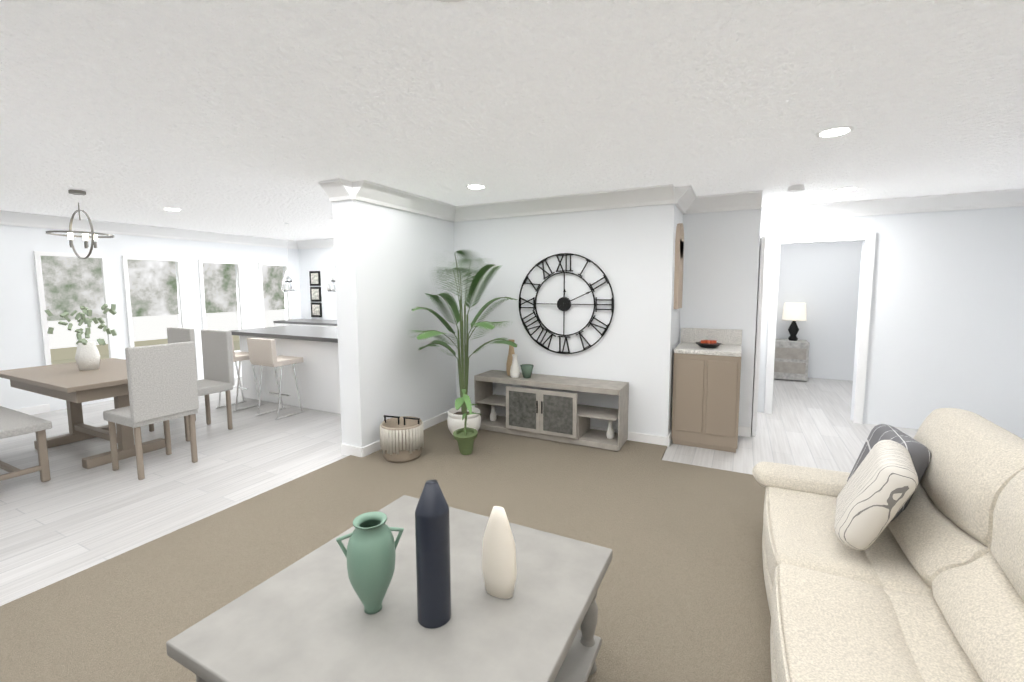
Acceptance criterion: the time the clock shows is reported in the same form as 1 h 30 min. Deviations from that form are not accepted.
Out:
12 h 11 min
